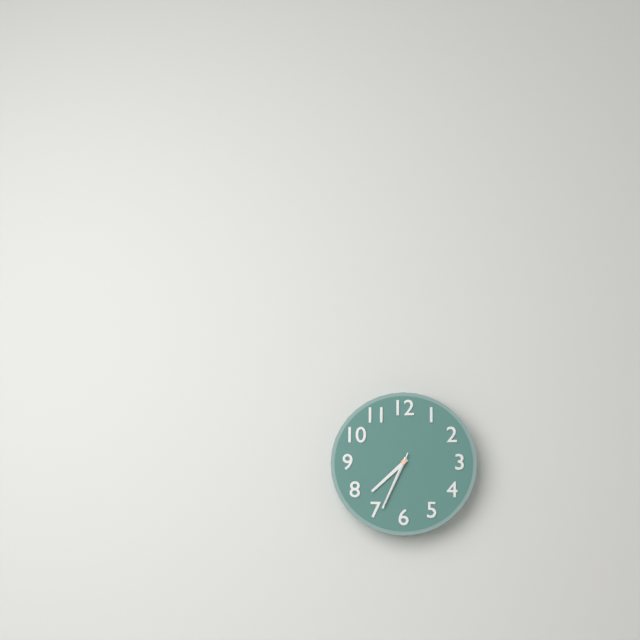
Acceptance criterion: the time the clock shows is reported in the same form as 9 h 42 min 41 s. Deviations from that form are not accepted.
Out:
7 h 34 min 34 s
